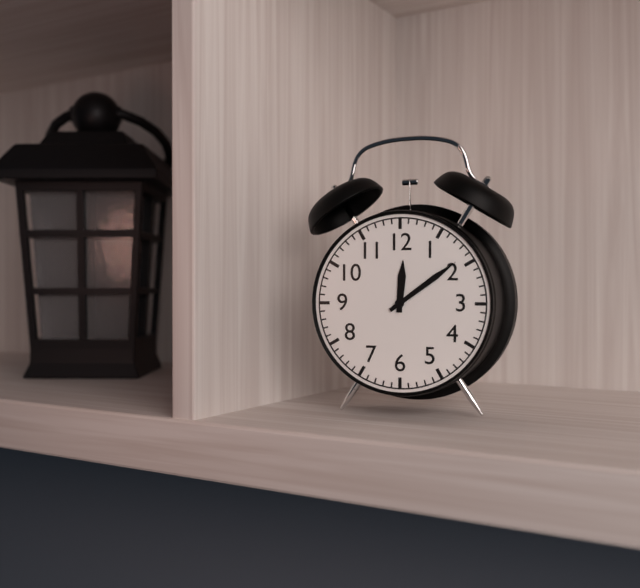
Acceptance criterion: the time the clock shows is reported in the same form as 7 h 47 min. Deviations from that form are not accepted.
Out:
12 h 09 min
